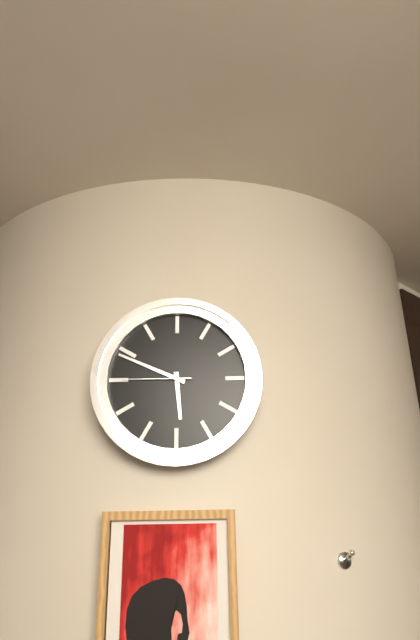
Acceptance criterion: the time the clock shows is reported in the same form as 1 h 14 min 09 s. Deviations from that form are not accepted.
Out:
5 h 49 min 45 s
